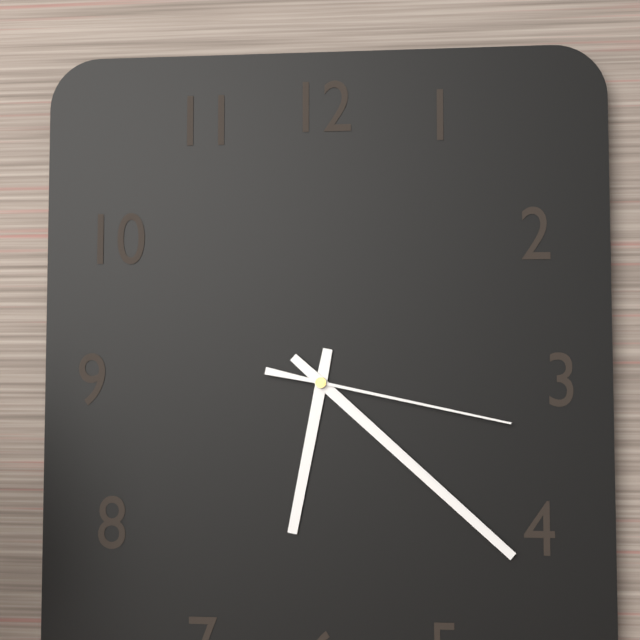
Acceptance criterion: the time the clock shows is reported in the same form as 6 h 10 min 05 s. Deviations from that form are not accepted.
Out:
6 h 22 min 17 s
